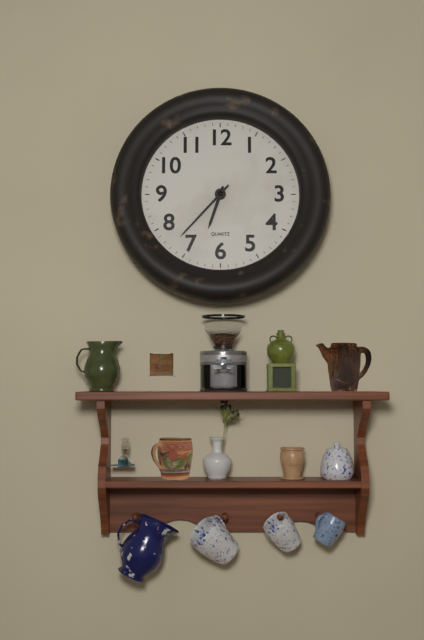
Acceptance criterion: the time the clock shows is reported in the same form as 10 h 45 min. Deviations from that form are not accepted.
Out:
6 h 37 min
